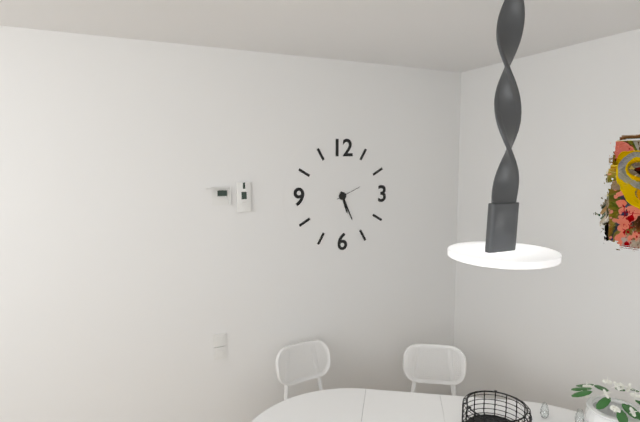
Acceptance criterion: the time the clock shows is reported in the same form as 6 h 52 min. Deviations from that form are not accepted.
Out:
5 h 26 min
